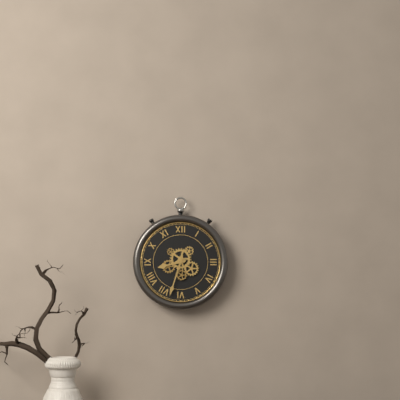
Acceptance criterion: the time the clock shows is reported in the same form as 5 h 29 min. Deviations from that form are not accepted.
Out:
8 h 33 min
